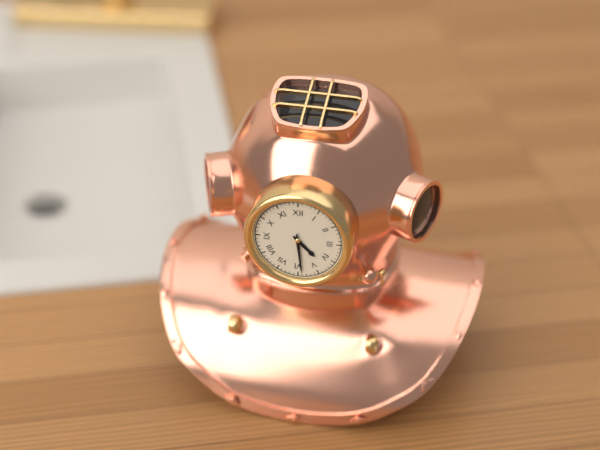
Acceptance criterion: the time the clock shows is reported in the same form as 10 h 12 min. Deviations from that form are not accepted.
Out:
4 h 29 min
